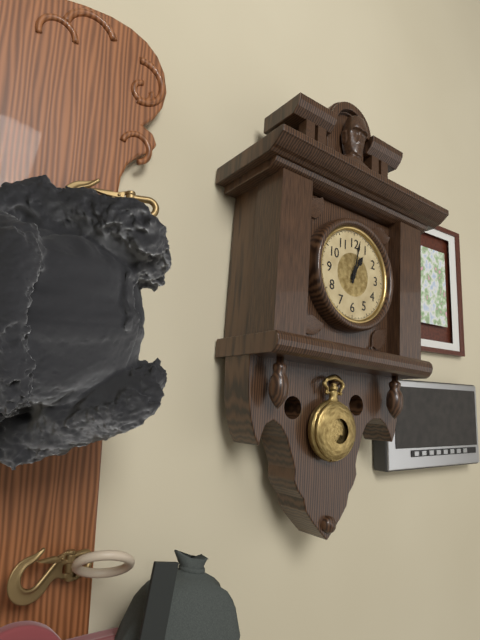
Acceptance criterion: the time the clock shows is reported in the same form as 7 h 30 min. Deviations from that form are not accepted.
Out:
1 h 02 min
